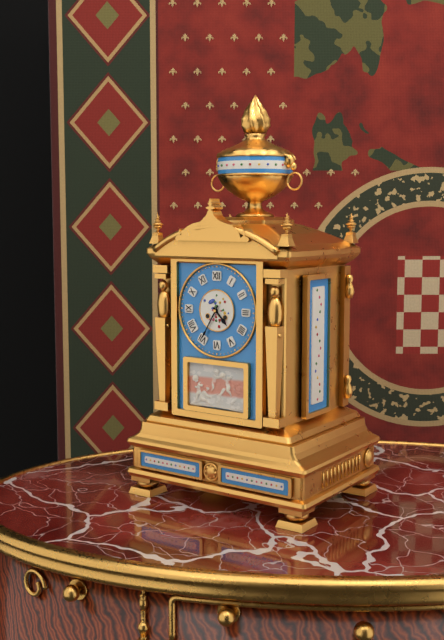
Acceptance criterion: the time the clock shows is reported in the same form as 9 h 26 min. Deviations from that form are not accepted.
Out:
4 h 35 min
